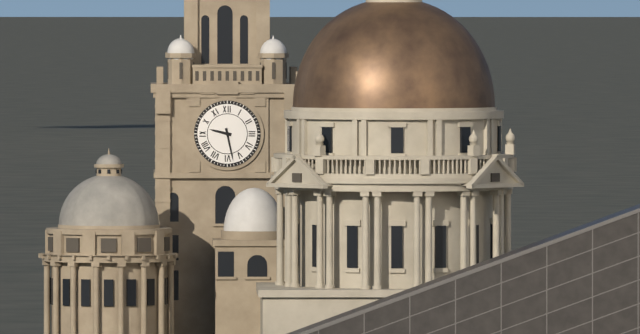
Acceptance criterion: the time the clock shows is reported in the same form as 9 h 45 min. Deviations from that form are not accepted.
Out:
9 h 28 min
